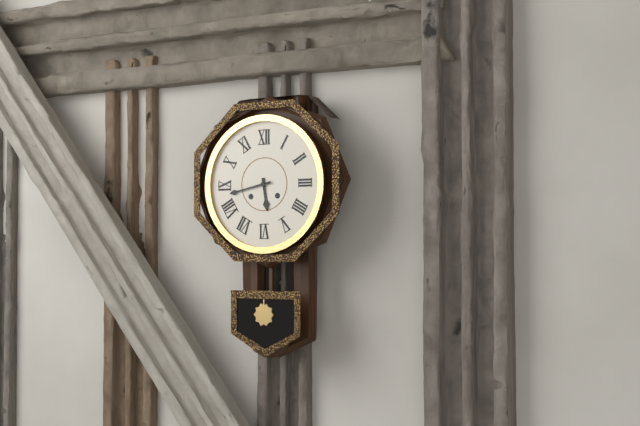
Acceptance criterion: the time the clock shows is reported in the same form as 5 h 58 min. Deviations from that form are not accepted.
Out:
5 h 43 min
